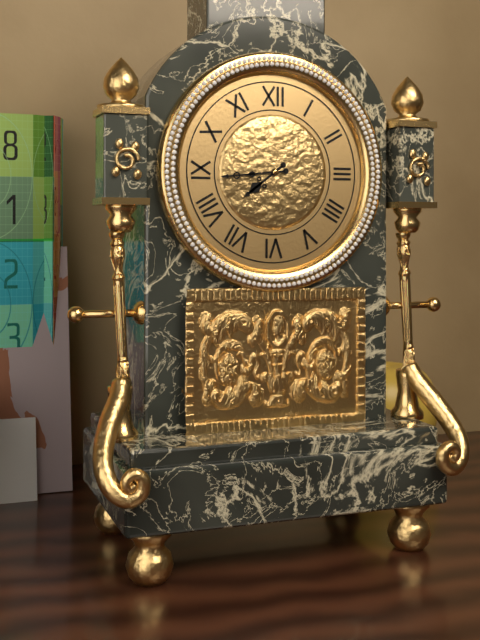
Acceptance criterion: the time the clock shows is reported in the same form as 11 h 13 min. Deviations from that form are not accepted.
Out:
7 h 44 min
